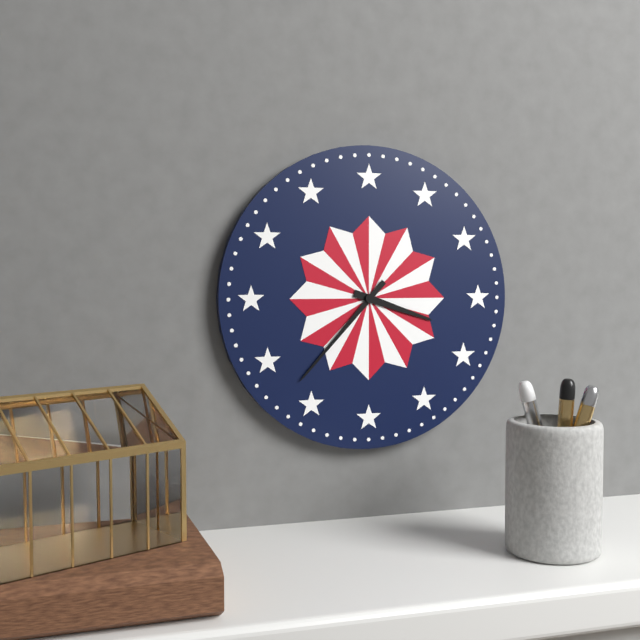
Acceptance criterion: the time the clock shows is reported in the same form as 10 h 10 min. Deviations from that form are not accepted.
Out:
3 h 37 min
